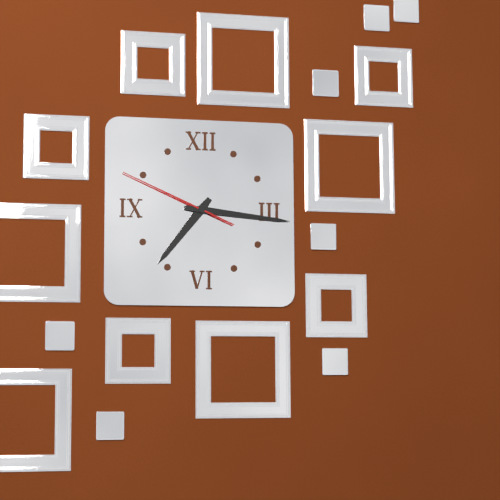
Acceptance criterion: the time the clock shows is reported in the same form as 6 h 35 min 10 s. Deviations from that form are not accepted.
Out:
7 h 16 min 49 s
